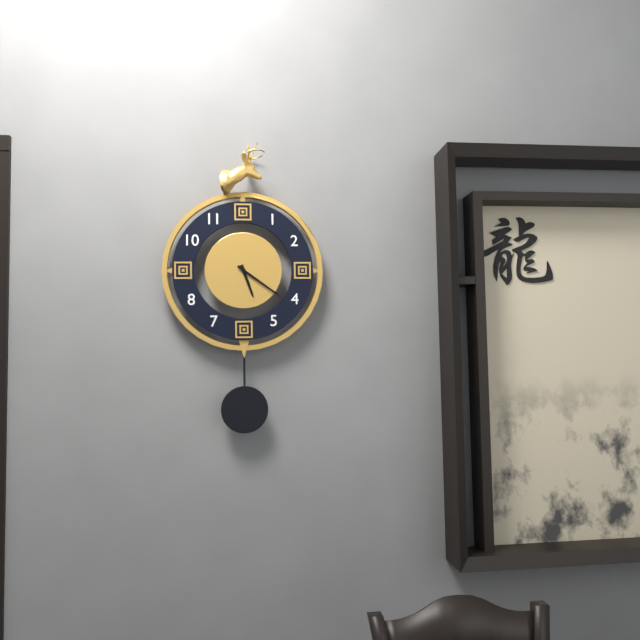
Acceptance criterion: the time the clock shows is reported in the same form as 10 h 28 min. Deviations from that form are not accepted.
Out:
5 h 21 min
